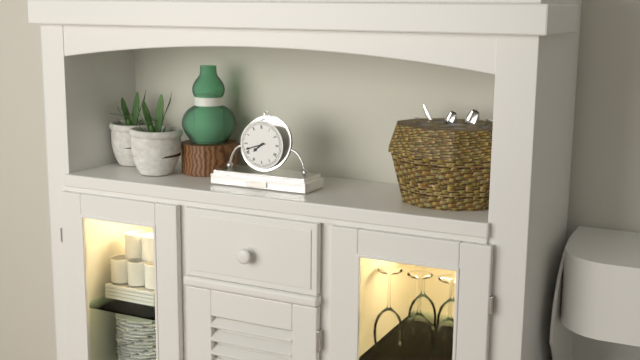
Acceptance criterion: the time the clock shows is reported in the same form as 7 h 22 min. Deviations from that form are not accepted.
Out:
7 h 42 min
